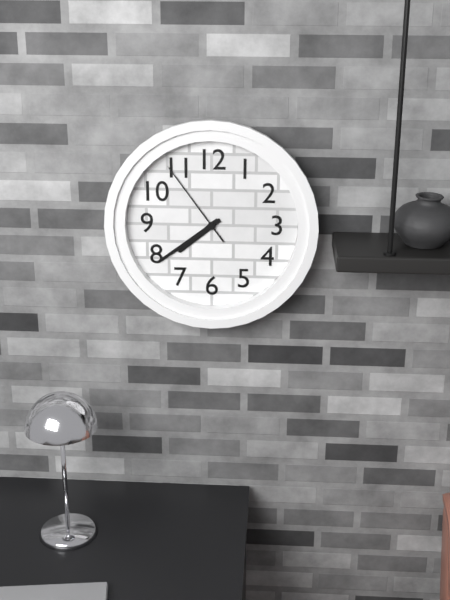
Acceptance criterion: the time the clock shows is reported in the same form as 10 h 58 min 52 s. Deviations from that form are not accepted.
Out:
7 h 39 min 54 s
